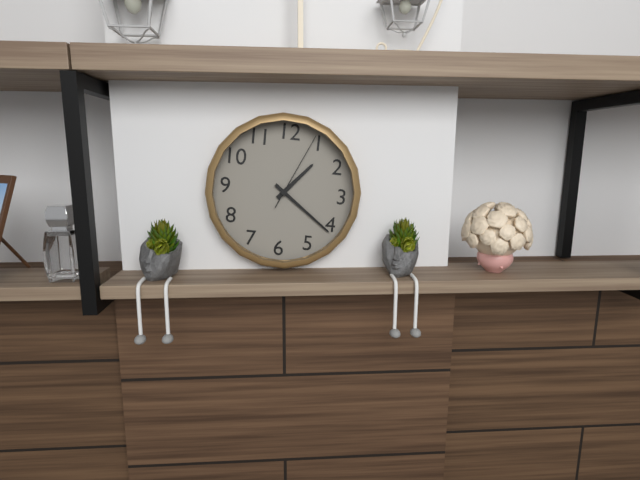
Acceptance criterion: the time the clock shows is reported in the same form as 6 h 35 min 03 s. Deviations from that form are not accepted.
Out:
1 h 21 min 04 s
